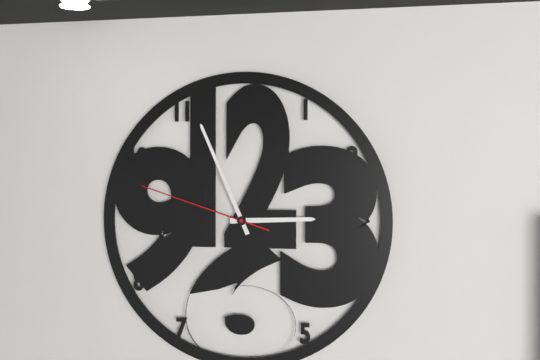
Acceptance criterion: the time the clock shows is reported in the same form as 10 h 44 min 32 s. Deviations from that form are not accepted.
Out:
2 h 56 min 48 s
